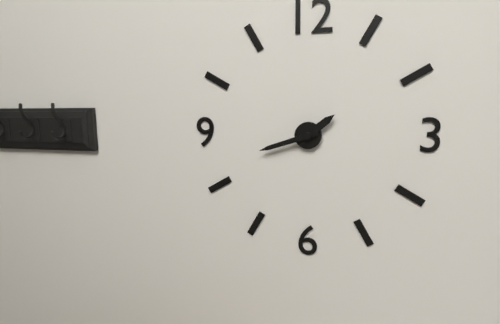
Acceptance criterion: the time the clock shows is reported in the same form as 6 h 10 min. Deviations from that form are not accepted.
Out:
1 h 42 min
